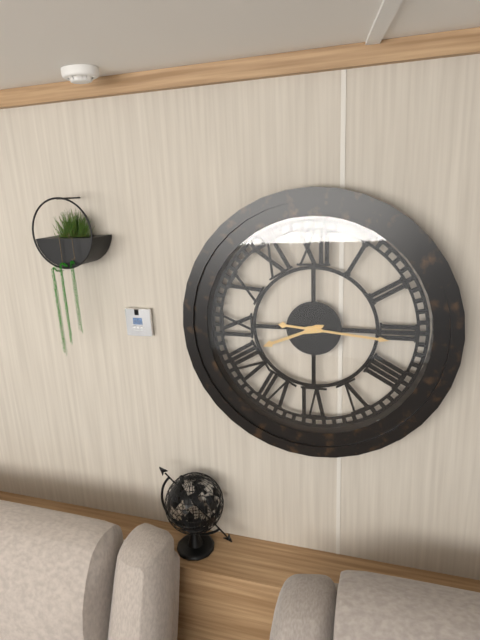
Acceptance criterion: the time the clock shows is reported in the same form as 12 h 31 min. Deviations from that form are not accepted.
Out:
8 h 16 min
